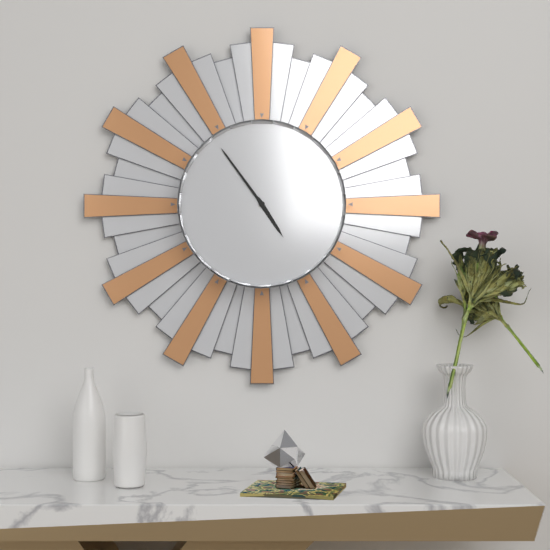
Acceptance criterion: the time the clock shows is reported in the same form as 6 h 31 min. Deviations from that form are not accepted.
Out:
4 h 54 min
